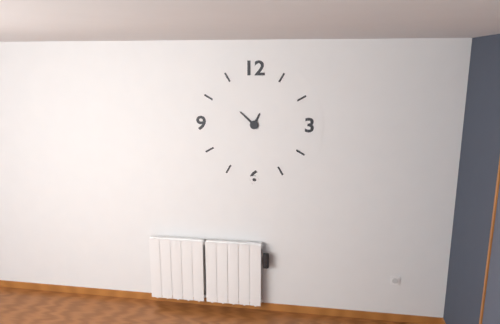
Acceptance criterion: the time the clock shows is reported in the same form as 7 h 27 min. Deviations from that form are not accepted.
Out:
12 h 52 min
